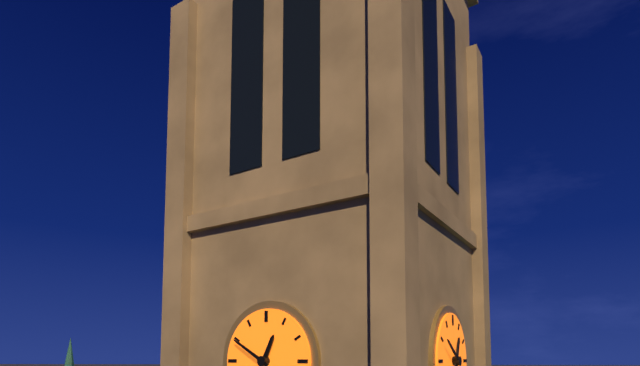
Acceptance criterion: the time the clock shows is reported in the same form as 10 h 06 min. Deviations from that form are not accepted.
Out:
12 h 50 min
